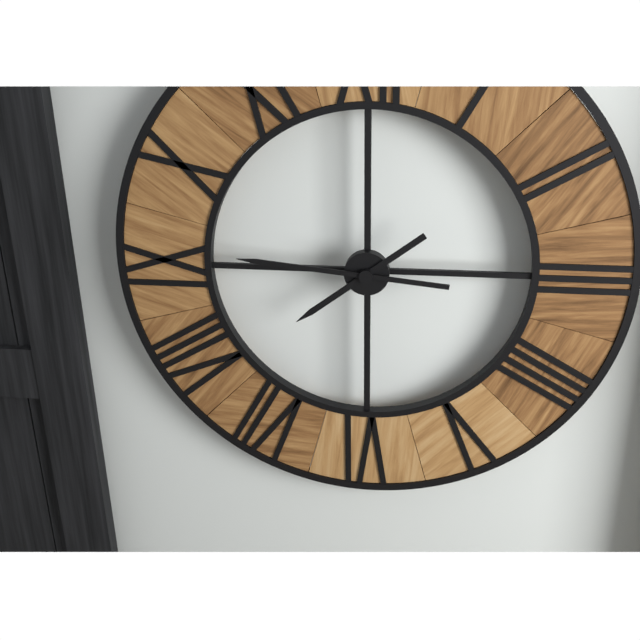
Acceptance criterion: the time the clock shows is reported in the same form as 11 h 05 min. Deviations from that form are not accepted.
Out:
7 h 46 min
